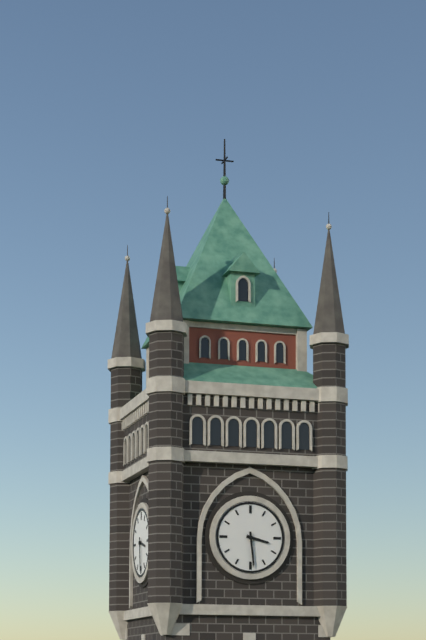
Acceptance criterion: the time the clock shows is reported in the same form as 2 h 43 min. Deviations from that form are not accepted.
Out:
3 h 29 min
